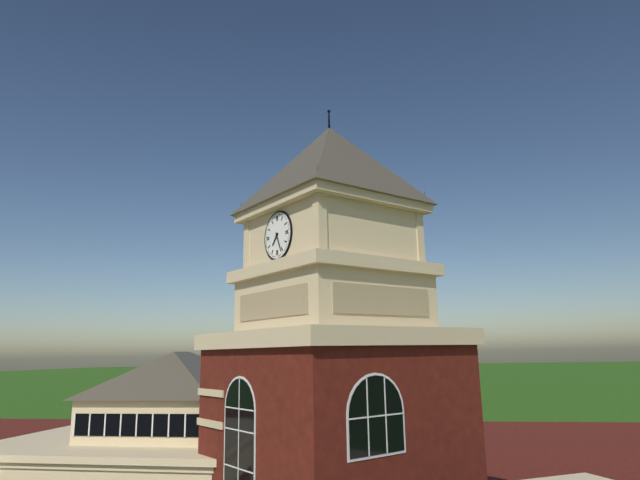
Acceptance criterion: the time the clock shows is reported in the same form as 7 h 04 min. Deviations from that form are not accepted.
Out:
7 h 26 min
